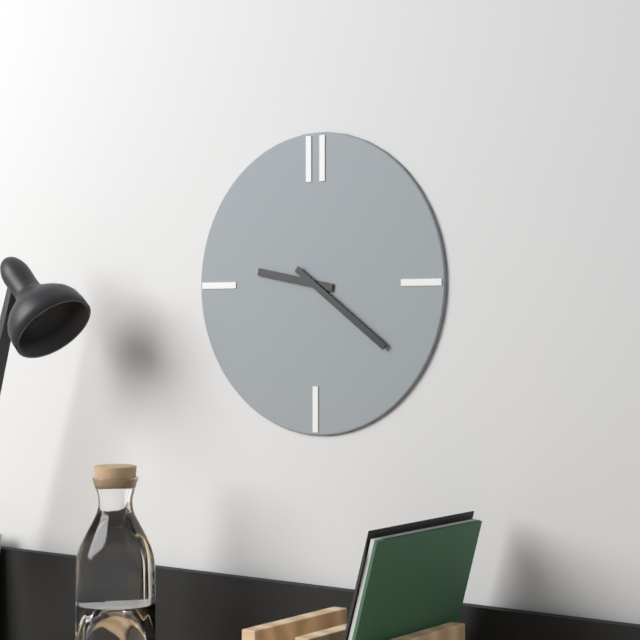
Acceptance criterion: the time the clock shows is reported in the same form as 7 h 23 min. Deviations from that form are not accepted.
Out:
9 h 21 min
